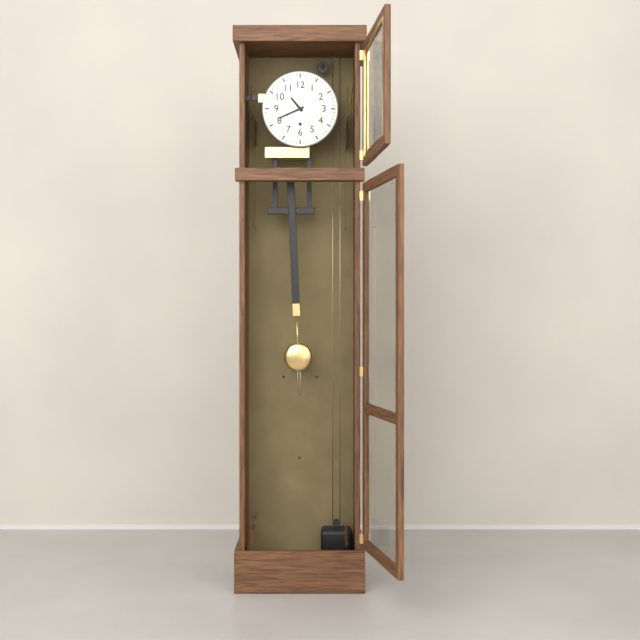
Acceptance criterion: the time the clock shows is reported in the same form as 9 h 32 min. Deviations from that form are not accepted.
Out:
10 h 41 min
